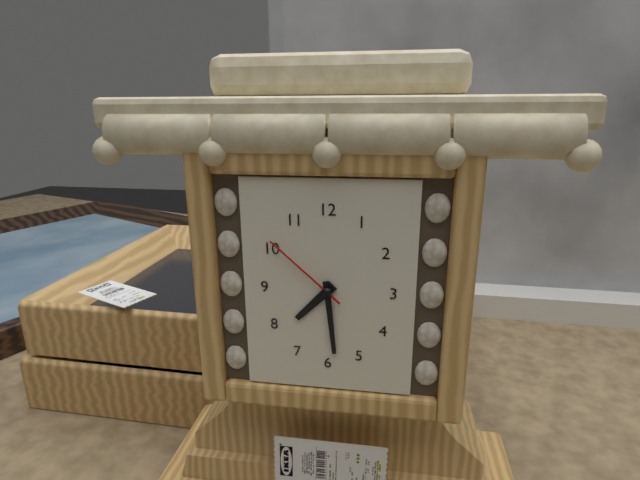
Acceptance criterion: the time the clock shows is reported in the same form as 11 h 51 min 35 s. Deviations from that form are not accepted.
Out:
7 h 29 min 52 s
